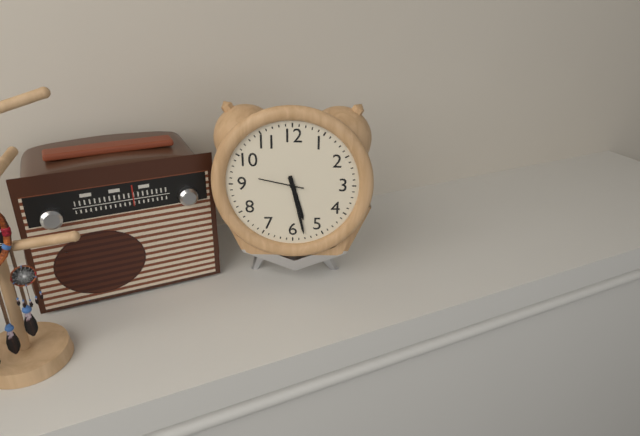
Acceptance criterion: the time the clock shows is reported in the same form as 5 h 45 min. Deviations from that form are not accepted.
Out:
5 h 28 min
